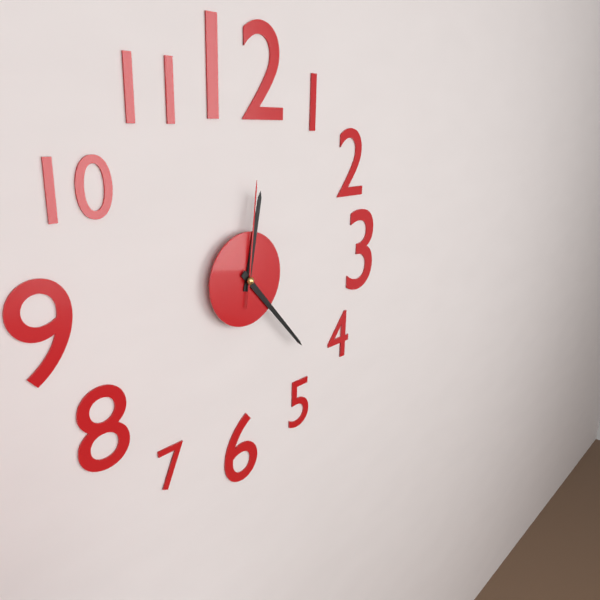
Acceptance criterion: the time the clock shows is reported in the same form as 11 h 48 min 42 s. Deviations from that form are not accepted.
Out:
12 h 23 min 01 s
